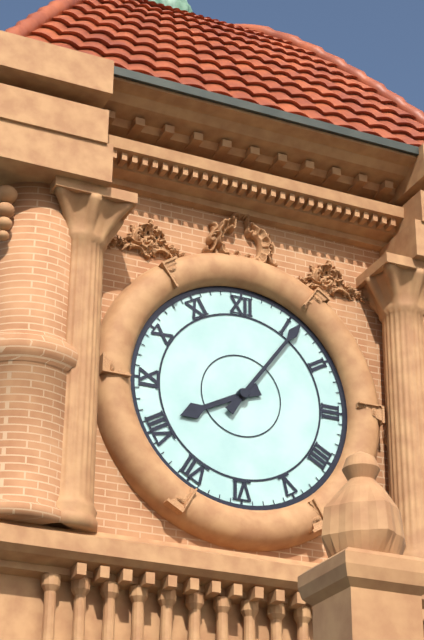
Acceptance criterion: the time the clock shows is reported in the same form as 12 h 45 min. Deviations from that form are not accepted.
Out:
8 h 06 min
